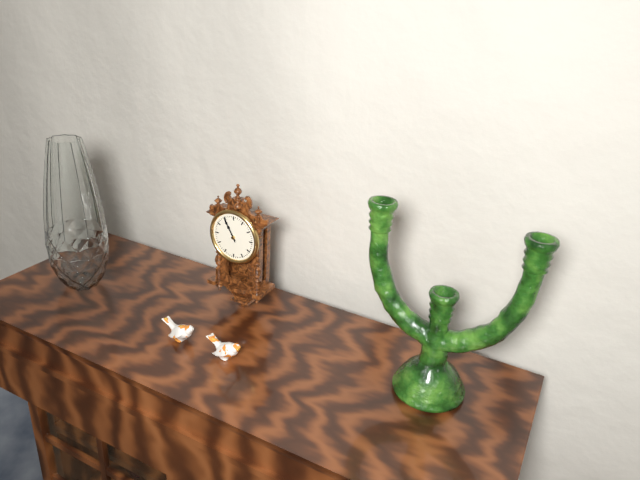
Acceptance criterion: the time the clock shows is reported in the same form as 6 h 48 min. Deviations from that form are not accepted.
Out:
10 h 55 min
